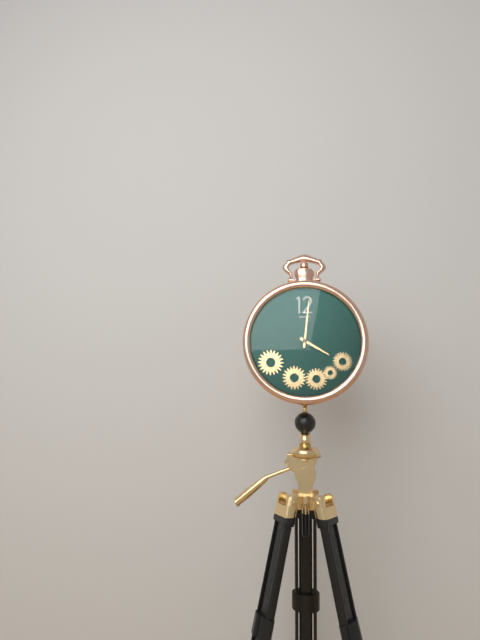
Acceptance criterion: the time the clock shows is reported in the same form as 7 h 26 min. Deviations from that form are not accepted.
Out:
4 h 01 min
